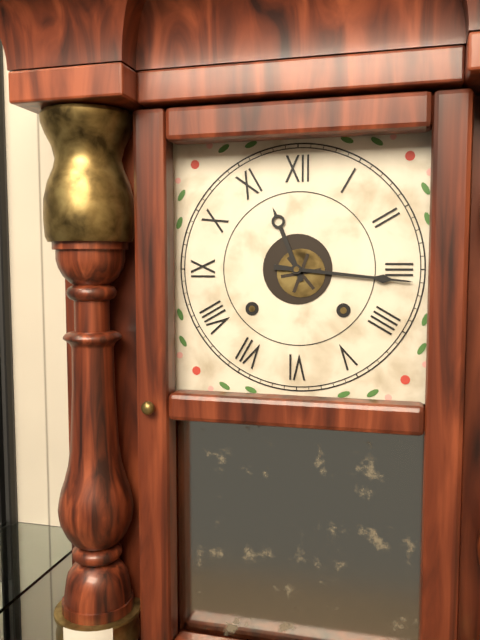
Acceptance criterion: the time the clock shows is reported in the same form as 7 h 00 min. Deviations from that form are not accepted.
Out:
11 h 16 min
